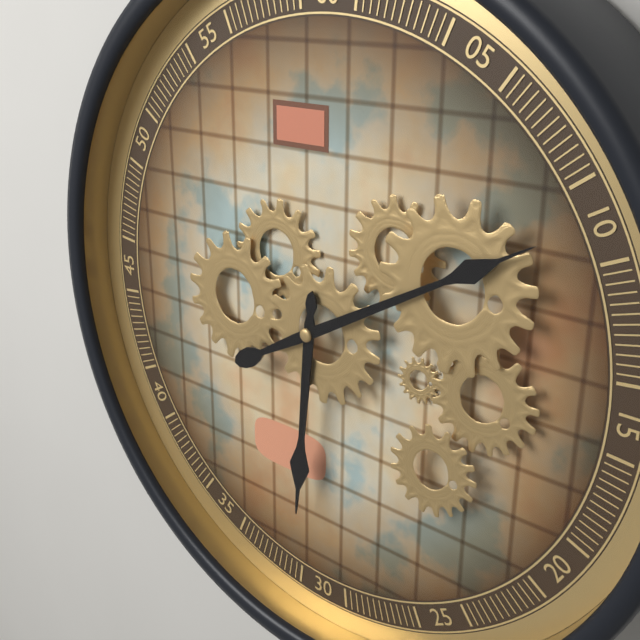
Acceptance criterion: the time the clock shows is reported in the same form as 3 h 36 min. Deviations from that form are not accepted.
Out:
6 h 10 min
